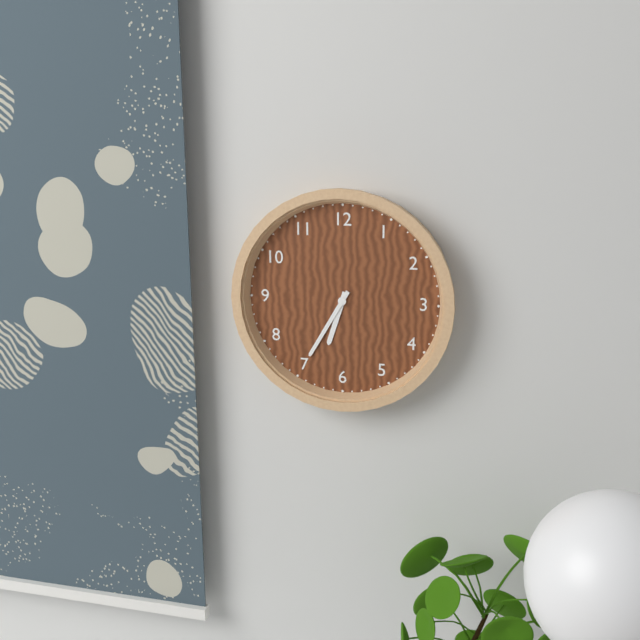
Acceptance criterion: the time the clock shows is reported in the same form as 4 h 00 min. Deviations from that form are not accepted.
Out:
6 h 35 min
